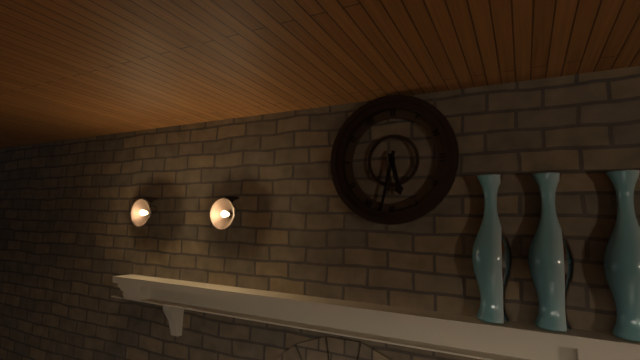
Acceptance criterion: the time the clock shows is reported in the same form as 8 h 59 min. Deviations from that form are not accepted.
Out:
5 h 32 min
